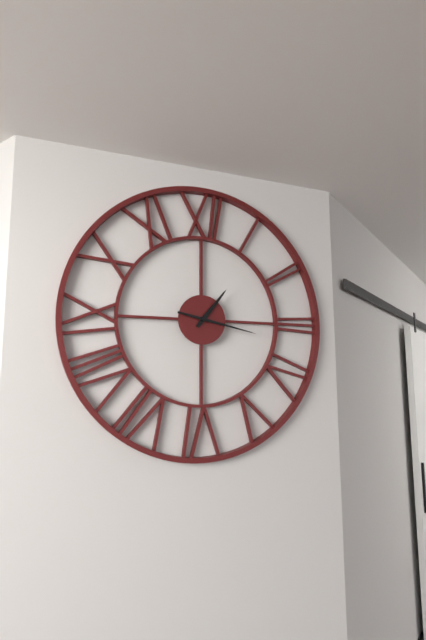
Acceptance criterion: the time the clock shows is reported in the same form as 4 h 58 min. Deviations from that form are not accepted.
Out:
1 h 17 min
